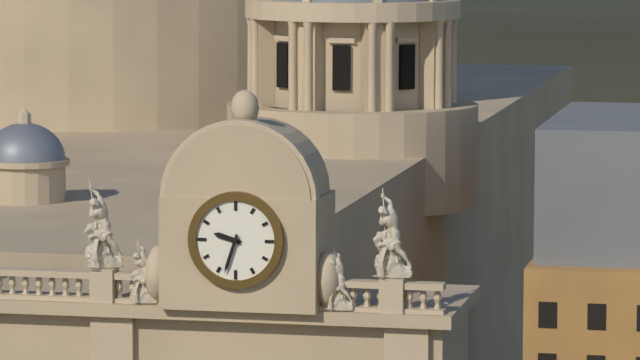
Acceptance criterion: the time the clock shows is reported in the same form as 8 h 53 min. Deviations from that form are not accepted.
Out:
9 h 33 min
